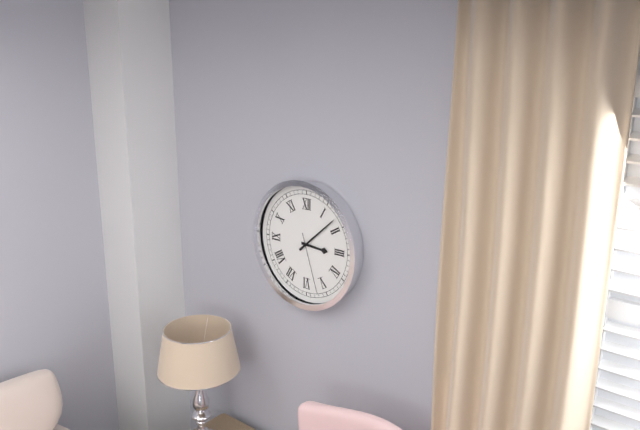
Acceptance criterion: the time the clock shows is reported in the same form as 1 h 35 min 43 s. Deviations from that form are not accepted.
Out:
3 h 08 min 27 s
